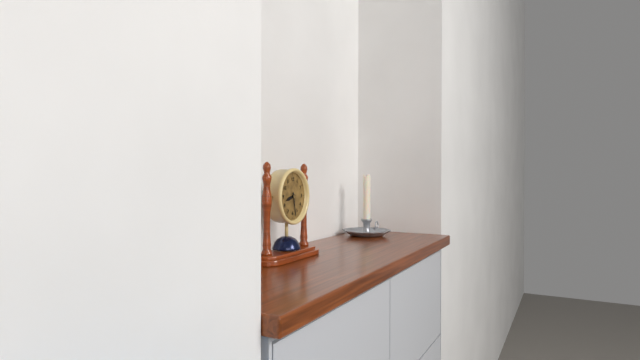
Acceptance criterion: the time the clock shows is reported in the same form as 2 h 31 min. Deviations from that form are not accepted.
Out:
8 h 28 min
